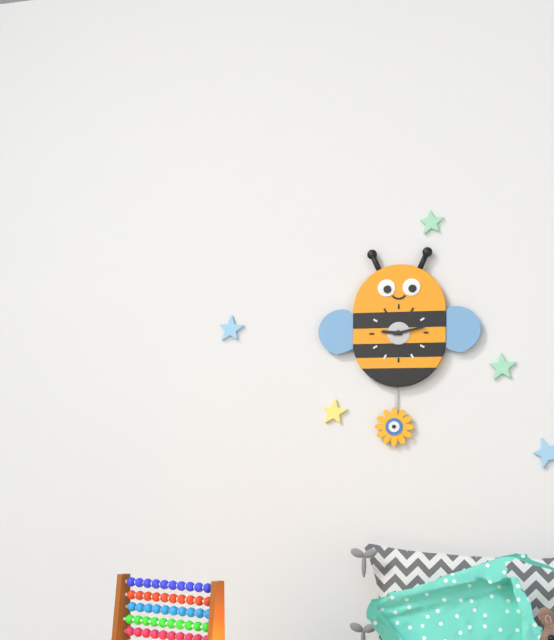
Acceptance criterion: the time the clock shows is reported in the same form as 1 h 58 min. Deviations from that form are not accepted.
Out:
9 h 13 min
